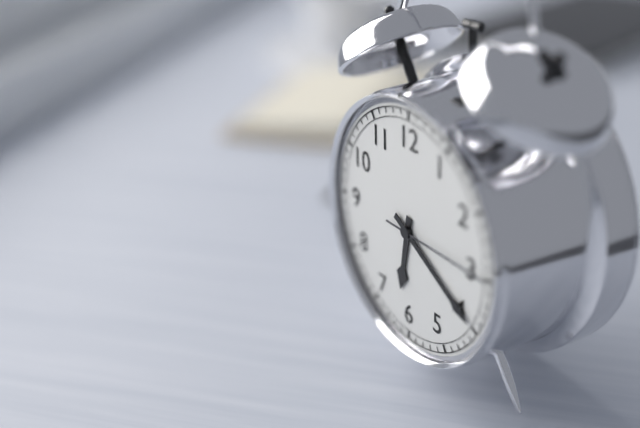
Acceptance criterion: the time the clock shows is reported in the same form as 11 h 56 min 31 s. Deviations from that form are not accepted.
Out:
6 h 20 min 15 s
